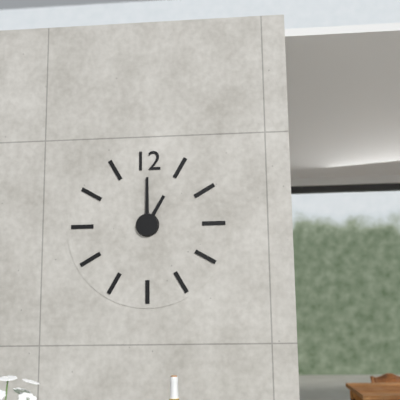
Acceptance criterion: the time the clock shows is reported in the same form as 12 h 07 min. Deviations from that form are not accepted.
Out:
1 h 00 min
